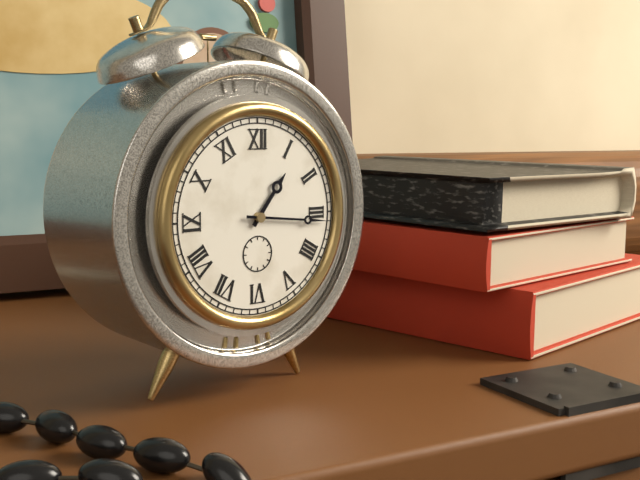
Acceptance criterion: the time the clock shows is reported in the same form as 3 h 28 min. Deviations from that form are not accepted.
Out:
1 h 16 min
